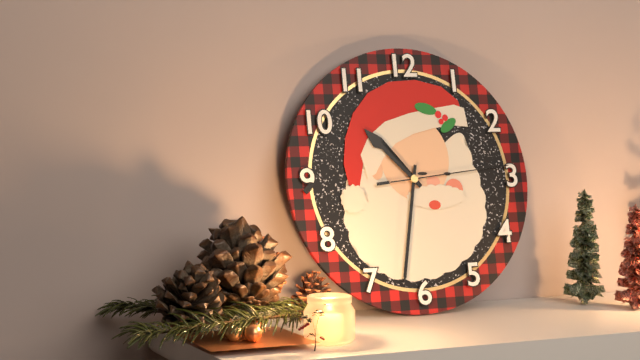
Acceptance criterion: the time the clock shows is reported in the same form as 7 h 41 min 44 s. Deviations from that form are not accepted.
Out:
10 h 32 min 14 s
